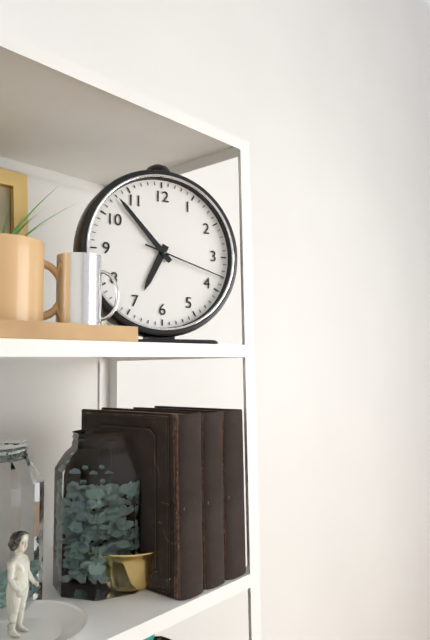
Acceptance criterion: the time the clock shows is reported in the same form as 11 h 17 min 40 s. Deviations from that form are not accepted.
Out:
6 h 53 min 18 s
